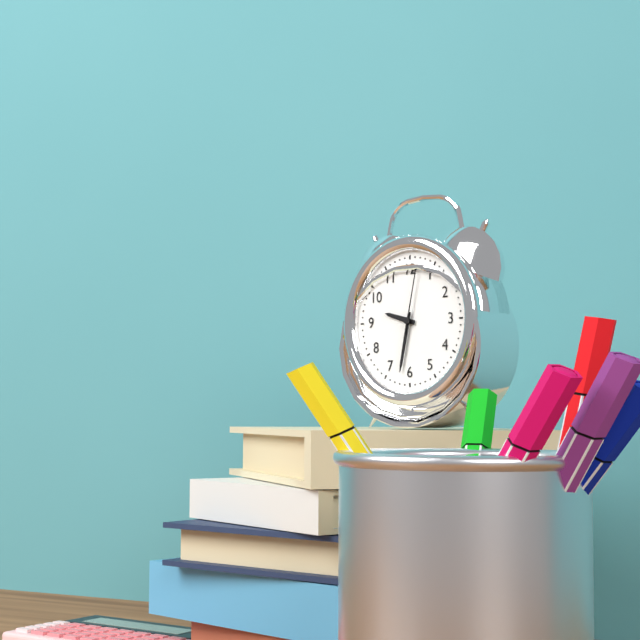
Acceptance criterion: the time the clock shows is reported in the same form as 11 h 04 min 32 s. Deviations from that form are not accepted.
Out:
9 h 32 min 02 s
